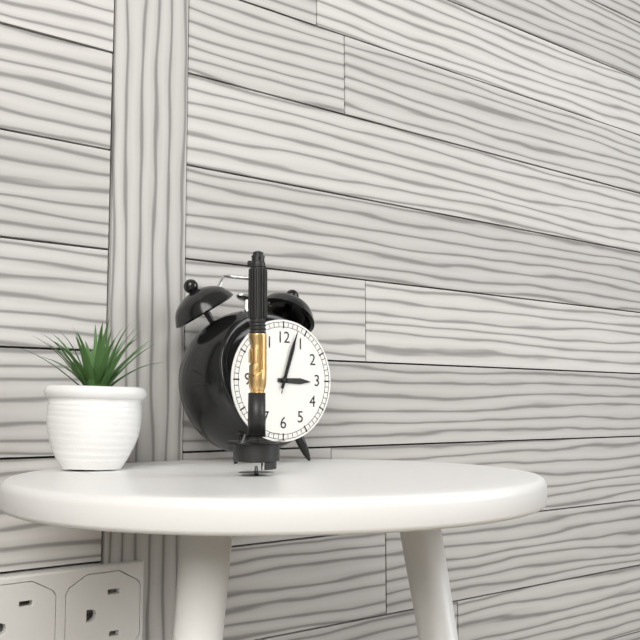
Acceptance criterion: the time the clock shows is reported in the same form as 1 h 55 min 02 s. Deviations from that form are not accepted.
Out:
3 h 03 min 03 s
